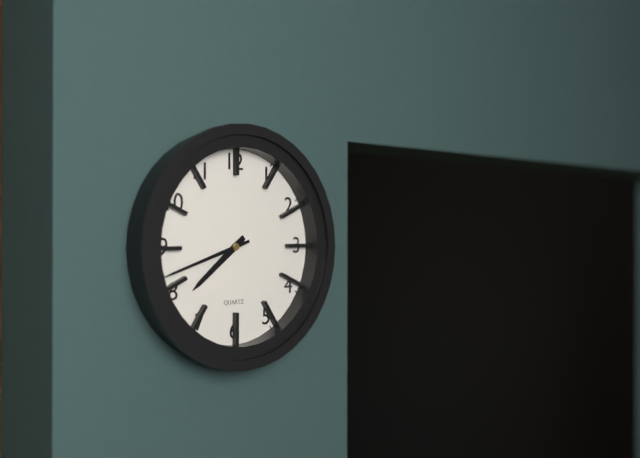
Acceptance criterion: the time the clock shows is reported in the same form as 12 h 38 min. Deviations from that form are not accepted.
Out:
7 h 42 min
